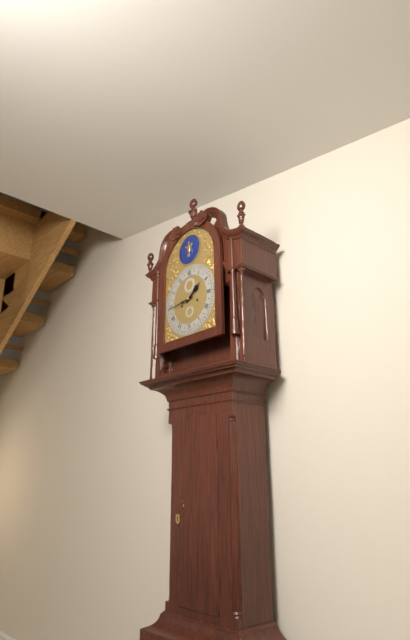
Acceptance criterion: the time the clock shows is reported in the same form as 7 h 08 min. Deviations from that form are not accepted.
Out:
1 h 44 min
